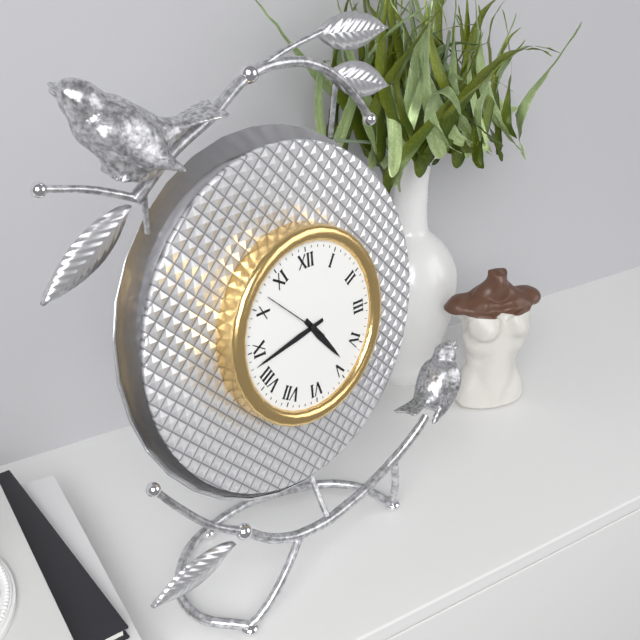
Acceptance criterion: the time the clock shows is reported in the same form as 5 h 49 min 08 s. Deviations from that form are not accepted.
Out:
4 h 43 min 52 s
